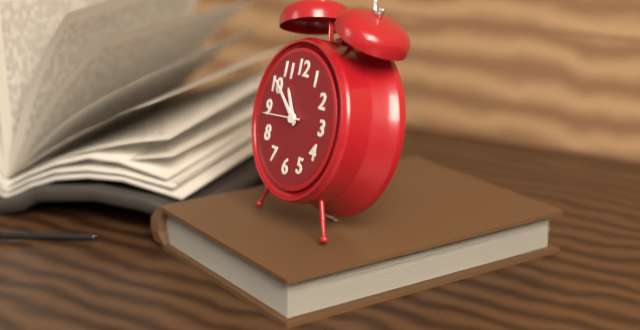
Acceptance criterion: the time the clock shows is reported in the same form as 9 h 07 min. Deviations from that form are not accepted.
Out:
10 h 51 min
